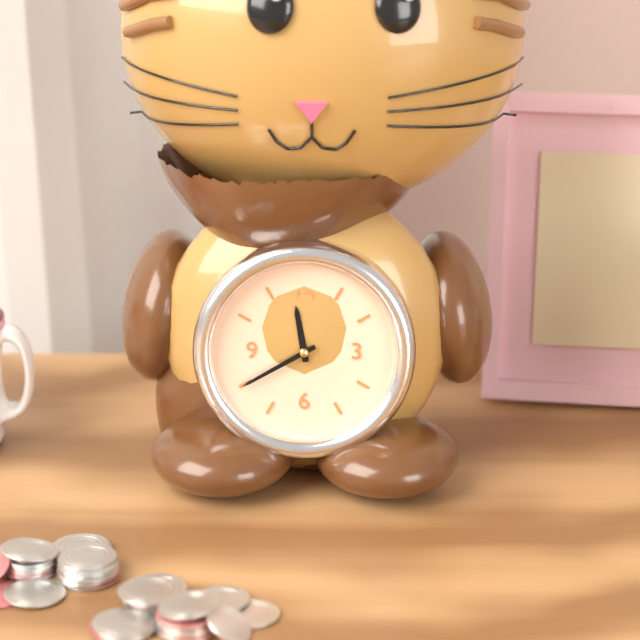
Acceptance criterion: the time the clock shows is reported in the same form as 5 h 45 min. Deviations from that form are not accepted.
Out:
11 h 40 min
